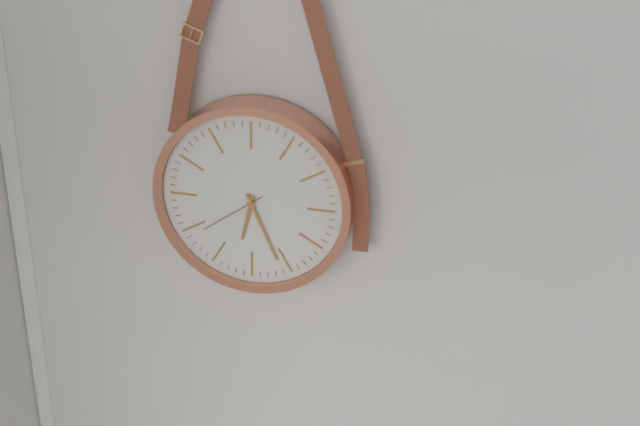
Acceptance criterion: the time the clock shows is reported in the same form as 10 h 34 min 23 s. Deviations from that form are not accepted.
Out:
6 h 26 min 39 s
